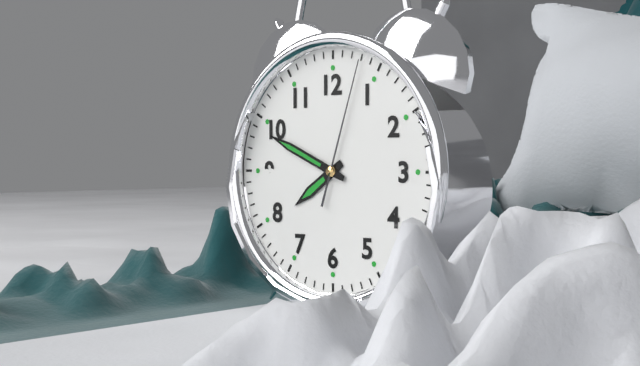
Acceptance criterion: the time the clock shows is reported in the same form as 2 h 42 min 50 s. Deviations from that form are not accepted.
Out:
7 h 49 min 03 s
